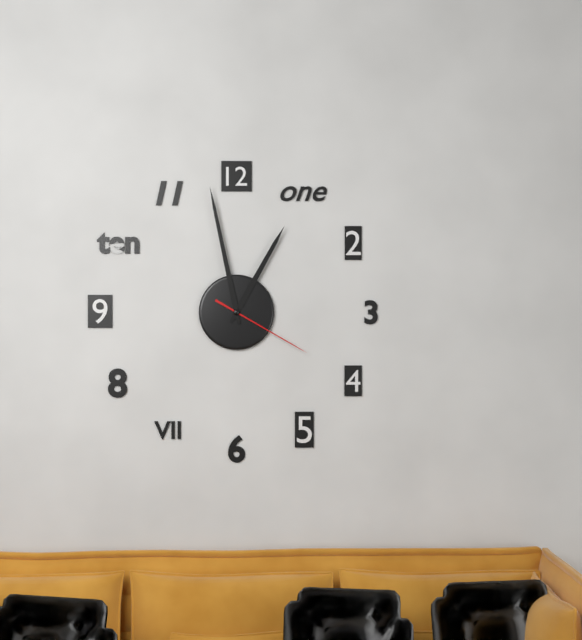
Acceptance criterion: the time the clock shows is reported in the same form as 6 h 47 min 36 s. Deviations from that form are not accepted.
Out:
12 h 58 min 20 s
